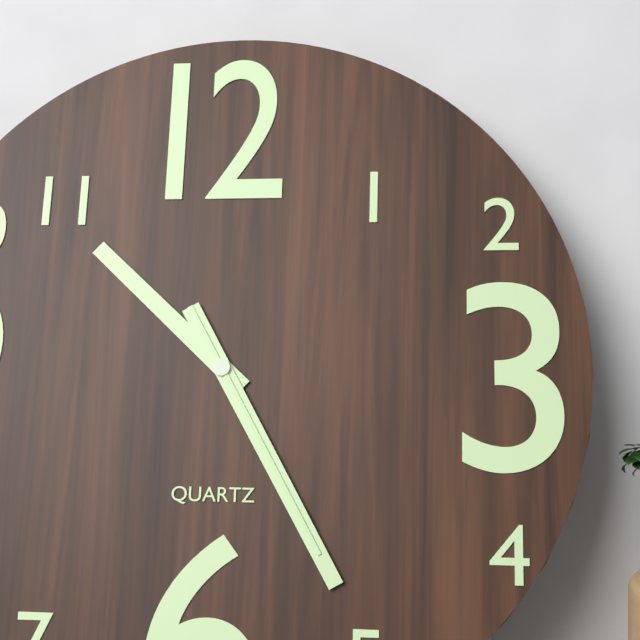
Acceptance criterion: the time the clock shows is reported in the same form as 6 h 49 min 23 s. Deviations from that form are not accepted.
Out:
10 h 25 min 25 s
